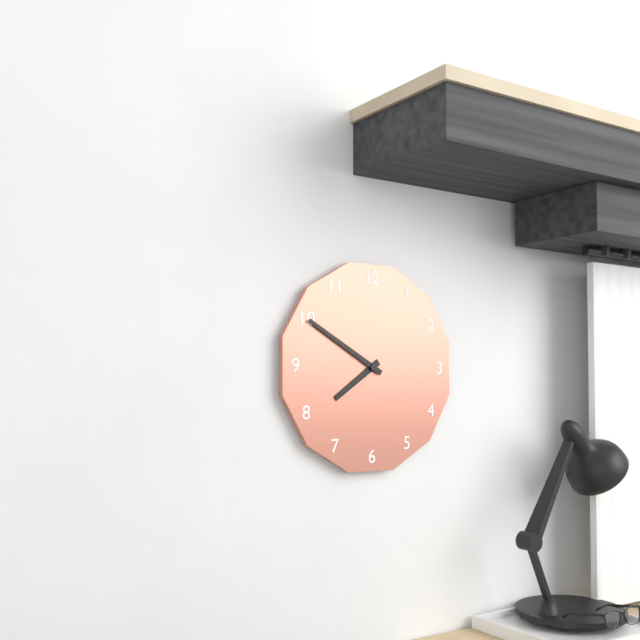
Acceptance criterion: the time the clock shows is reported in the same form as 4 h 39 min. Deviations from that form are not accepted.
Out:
7 h 50 min
